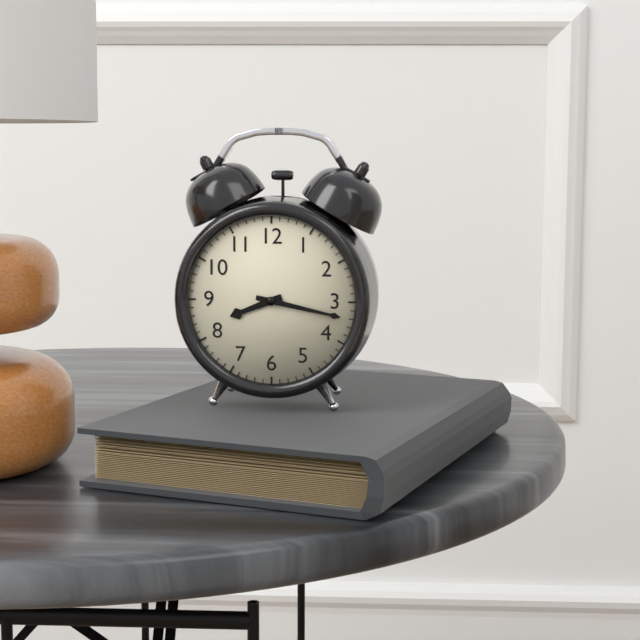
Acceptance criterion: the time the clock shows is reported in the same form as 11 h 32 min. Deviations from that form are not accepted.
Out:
8 h 17 min
